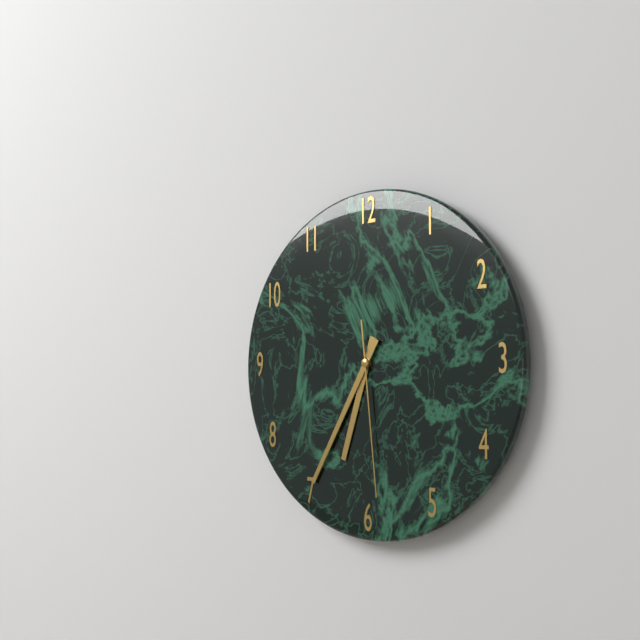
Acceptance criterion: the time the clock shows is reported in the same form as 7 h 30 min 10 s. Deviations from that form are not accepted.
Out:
6 h 35 min 29 s
